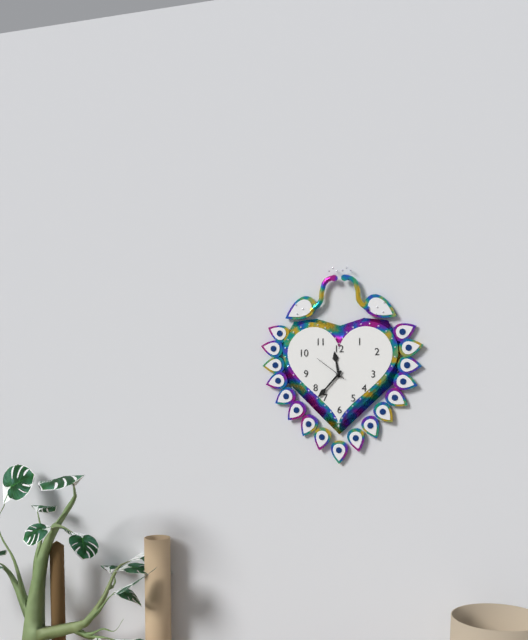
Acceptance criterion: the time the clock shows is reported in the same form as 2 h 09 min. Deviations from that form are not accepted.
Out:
11 h 37 min
